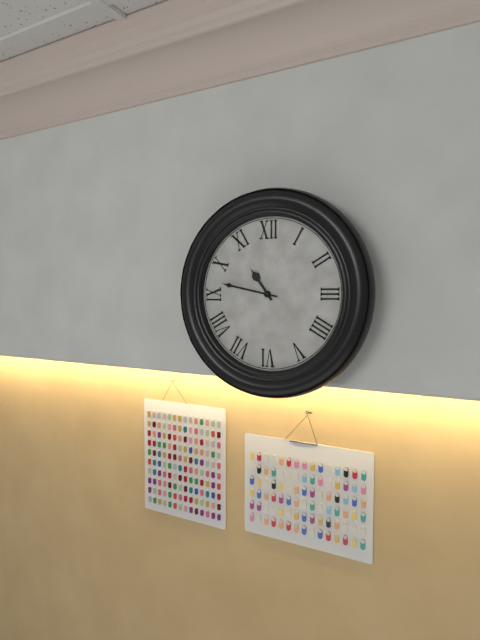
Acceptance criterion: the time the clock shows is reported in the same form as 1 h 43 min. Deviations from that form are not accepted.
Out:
10 h 47 min
